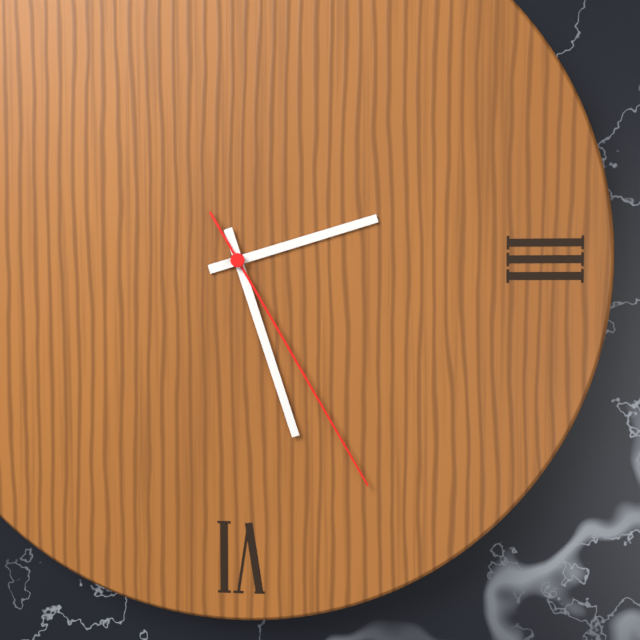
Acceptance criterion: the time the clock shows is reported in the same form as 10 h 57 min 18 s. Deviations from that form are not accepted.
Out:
2 h 27 min 25 s
